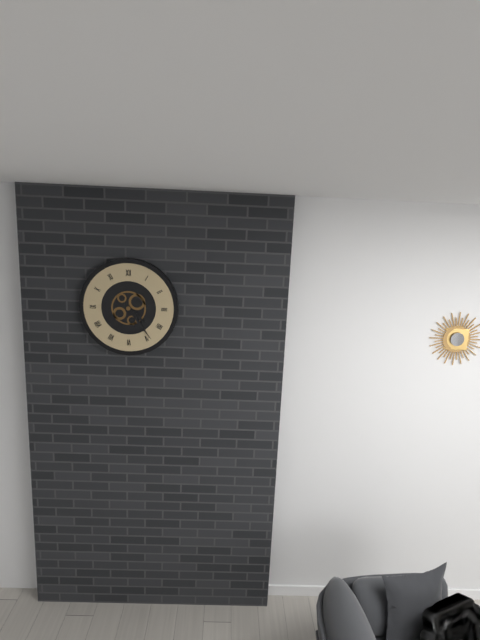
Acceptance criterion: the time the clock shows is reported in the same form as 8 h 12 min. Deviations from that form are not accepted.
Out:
4 h 24 min
